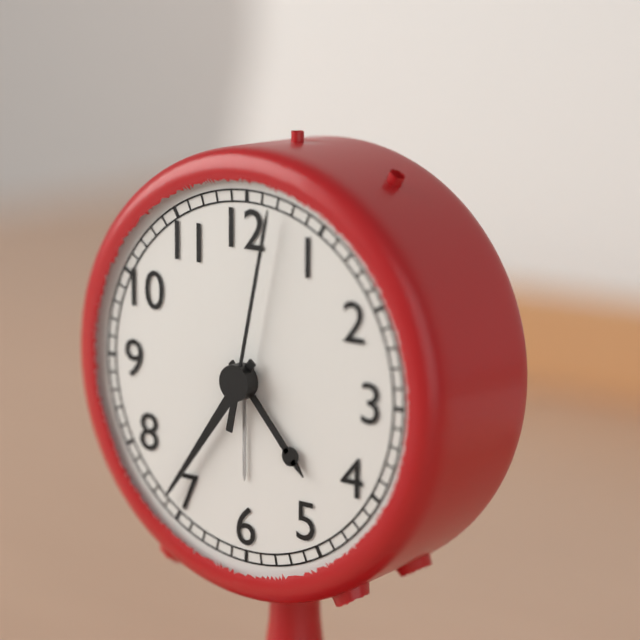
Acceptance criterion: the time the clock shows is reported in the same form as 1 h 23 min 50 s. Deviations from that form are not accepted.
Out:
4 h 36 min 02 s
